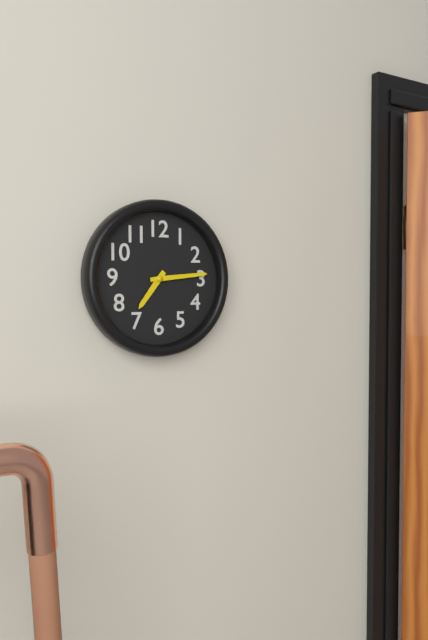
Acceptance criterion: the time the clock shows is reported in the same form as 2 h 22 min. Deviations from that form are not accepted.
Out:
7 h 14 min
